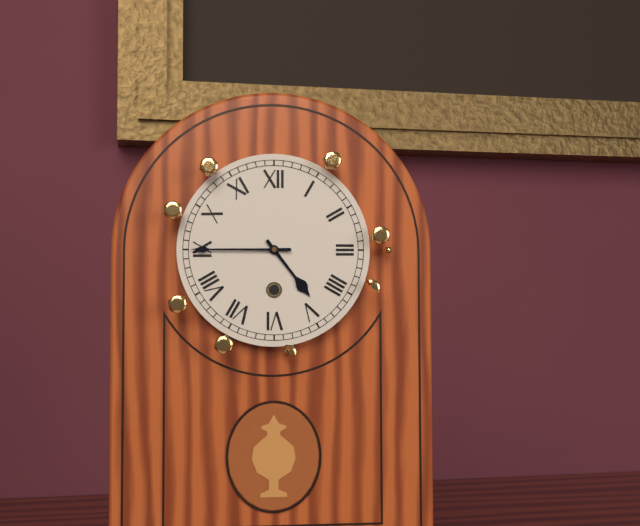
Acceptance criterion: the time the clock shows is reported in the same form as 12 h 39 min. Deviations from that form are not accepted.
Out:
4 h 45 min
